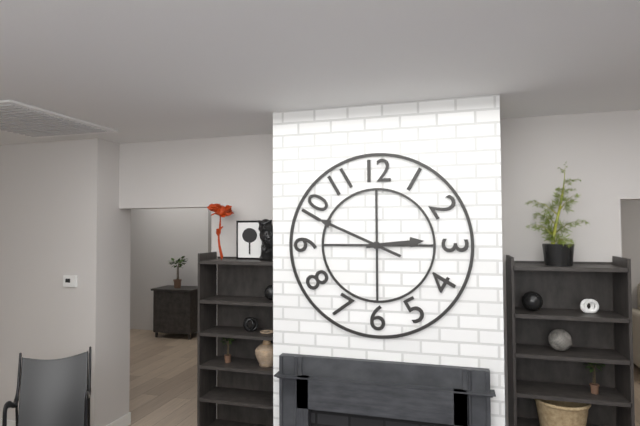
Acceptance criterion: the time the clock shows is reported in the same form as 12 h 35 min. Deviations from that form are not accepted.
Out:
2 h 49 min
